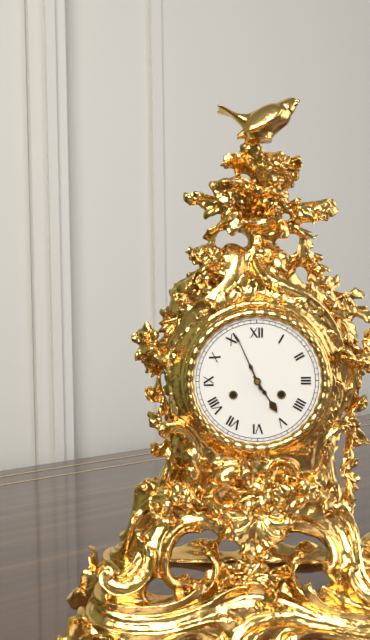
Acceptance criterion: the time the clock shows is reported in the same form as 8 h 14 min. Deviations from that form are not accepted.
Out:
4 h 56 min
